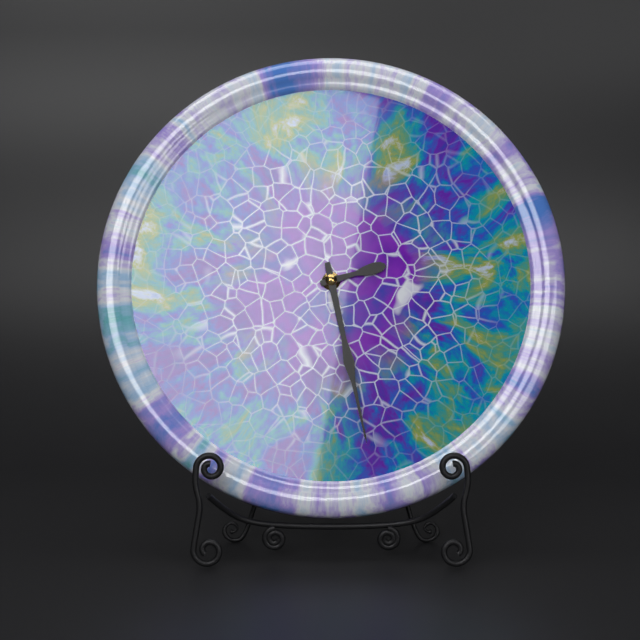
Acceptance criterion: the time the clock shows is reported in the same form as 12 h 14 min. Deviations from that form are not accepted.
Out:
2 h 28 min
